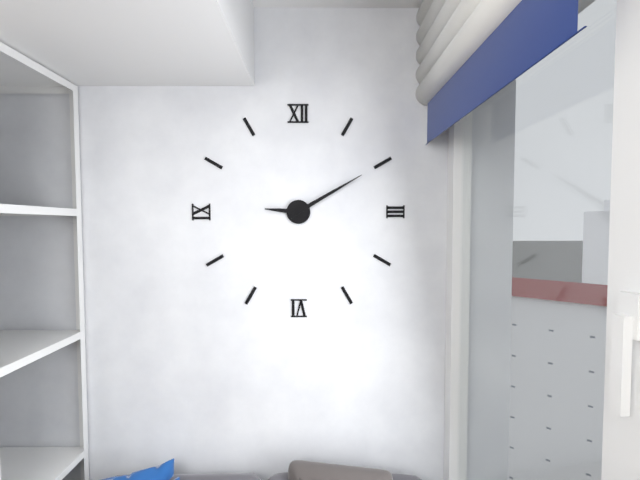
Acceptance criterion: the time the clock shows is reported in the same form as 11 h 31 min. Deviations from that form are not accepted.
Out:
9 h 10 min
